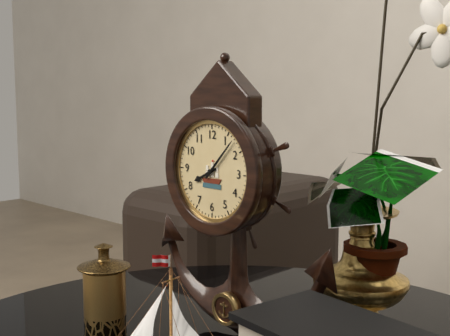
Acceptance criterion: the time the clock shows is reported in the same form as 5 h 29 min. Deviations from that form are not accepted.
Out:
8 h 07 min
